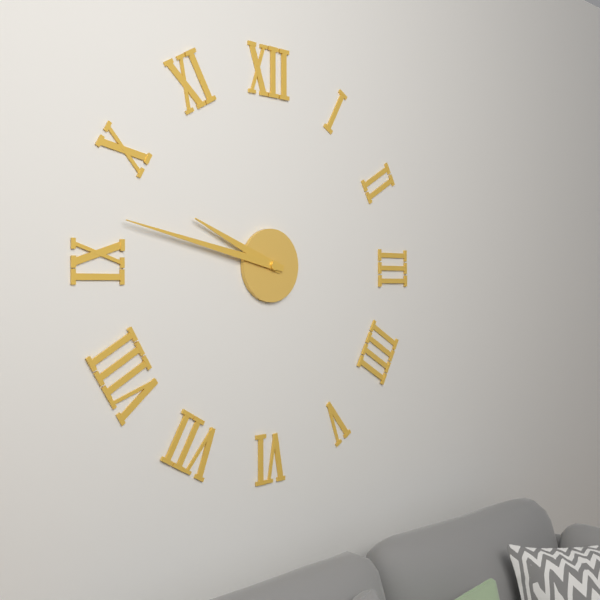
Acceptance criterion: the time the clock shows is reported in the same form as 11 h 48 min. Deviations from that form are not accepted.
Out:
9 h 47 min
